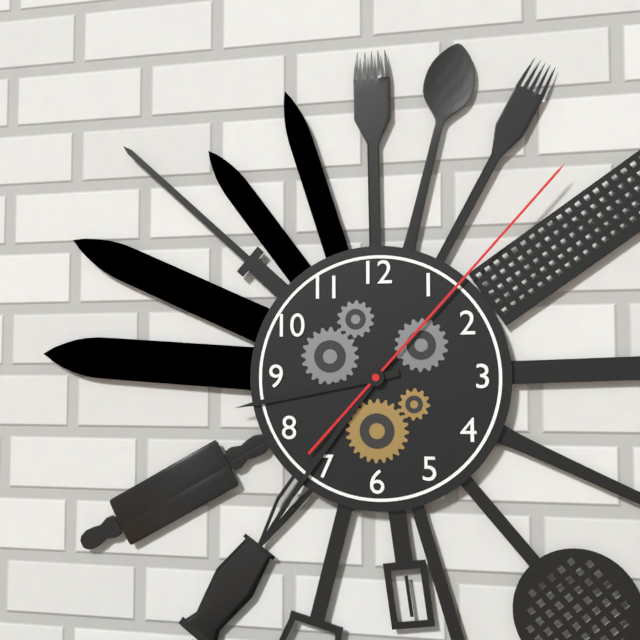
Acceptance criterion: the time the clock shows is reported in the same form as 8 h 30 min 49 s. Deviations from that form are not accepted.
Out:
8 h 36 min 07 s
